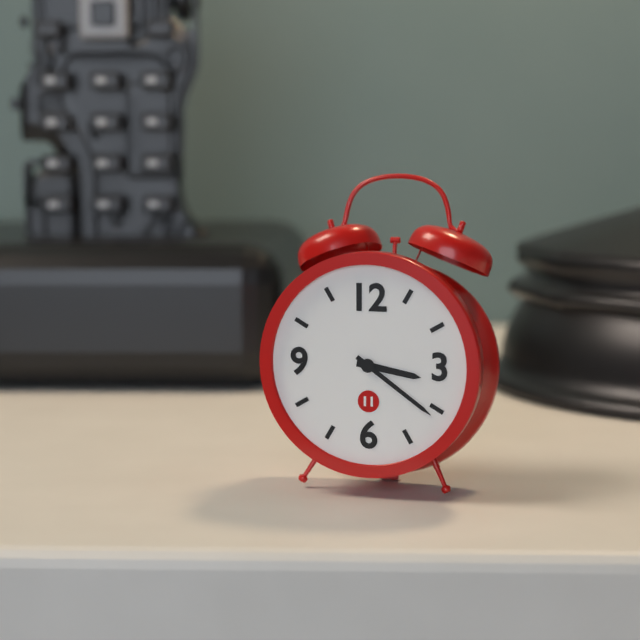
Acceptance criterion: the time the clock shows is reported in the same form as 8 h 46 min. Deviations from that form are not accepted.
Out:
3 h 21 min
